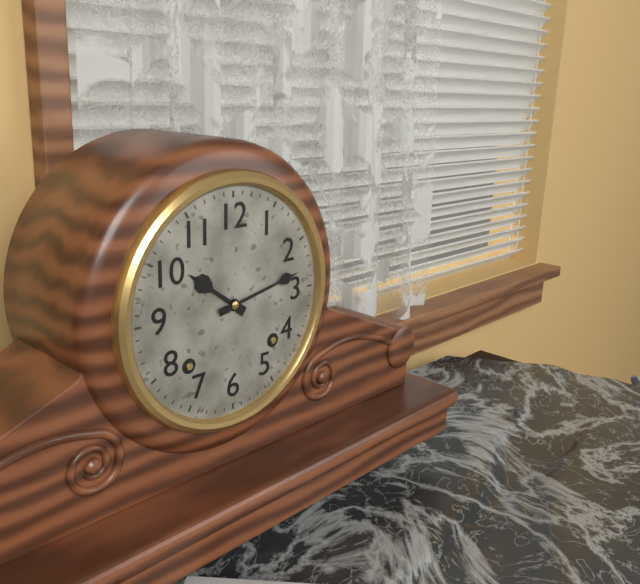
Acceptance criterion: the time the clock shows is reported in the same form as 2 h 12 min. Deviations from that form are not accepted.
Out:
10 h 13 min
